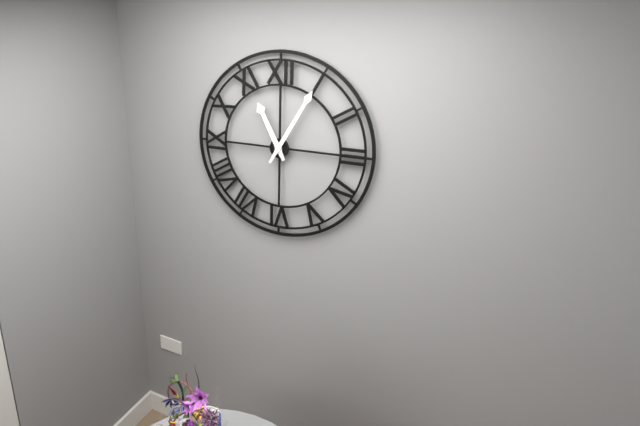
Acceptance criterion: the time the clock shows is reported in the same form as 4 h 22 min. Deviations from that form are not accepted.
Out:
11 h 05 min
